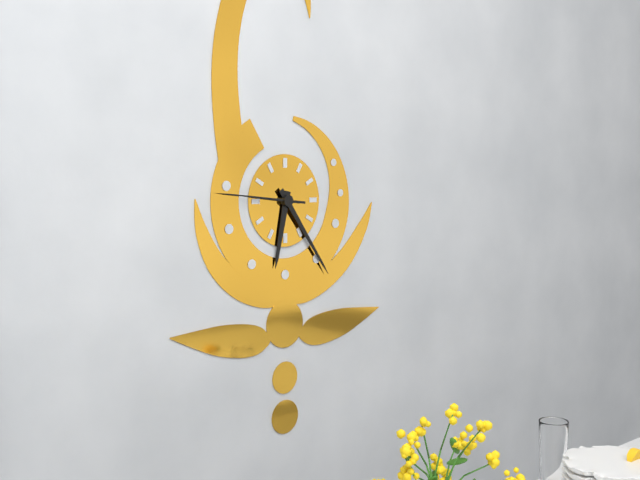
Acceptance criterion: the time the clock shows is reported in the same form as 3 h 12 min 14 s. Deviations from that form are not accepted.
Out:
6 h 24 min 46 s
